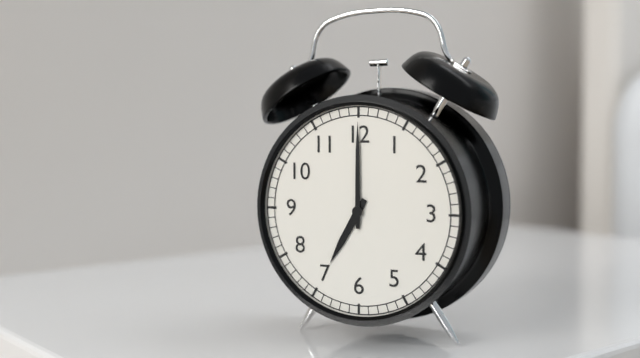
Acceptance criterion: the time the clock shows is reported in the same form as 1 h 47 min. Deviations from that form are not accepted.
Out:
7 h 00 min
